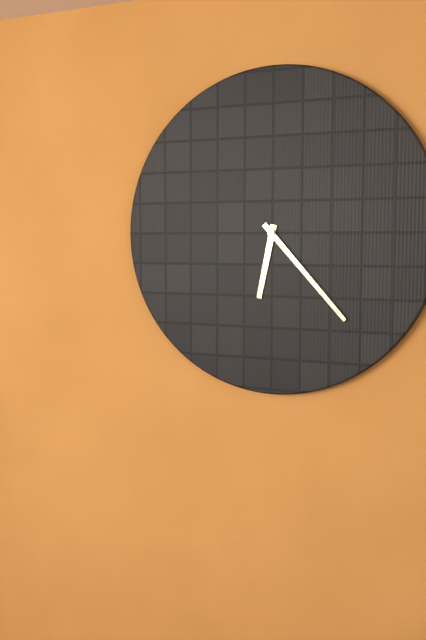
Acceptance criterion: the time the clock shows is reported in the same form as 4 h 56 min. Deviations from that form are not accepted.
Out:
6 h 23 min
